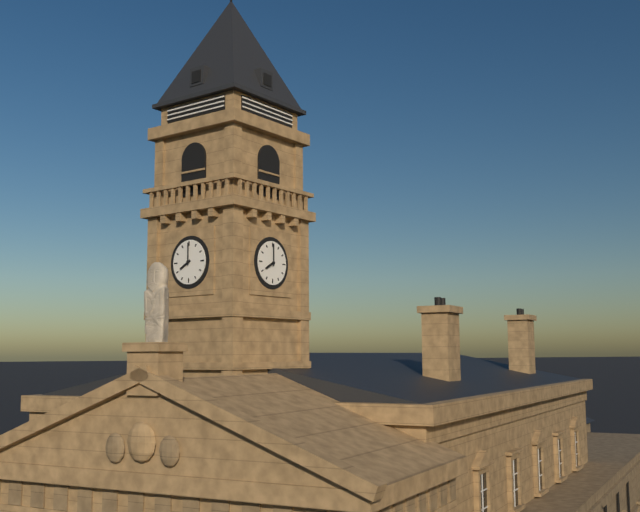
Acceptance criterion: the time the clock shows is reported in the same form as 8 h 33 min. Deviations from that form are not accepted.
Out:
8 h 00 min
